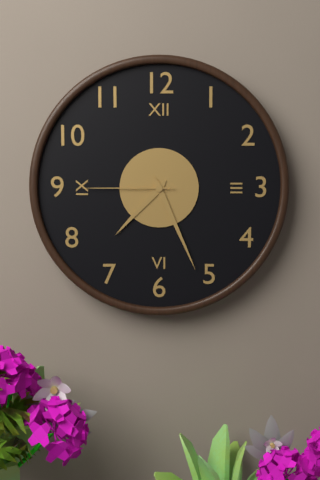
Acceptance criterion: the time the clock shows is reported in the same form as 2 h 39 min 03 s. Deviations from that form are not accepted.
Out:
7 h 26 min 45 s
